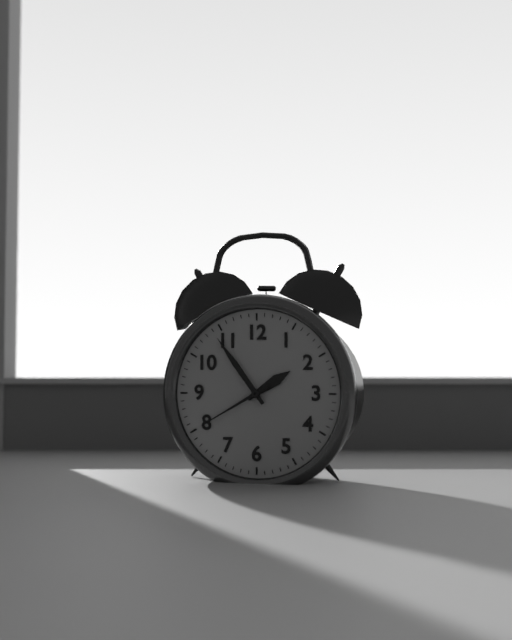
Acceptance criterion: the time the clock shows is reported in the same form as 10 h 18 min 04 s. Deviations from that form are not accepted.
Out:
1 h 54 min 40 s
